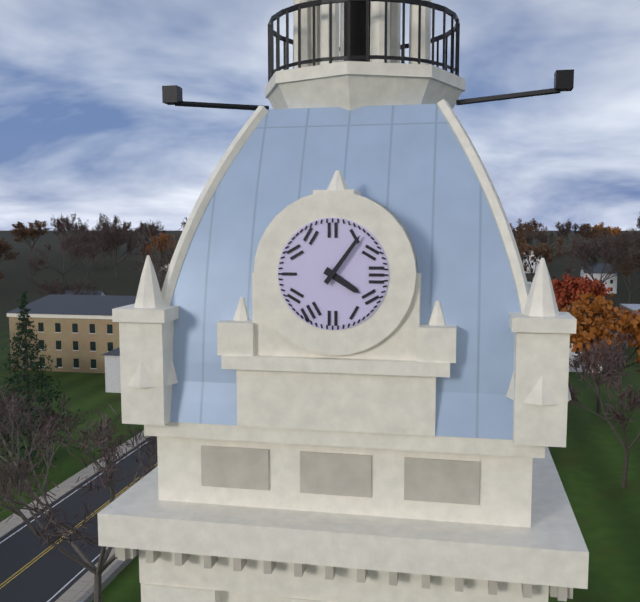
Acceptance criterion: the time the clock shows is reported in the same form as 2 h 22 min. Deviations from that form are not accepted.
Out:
4 h 06 min
